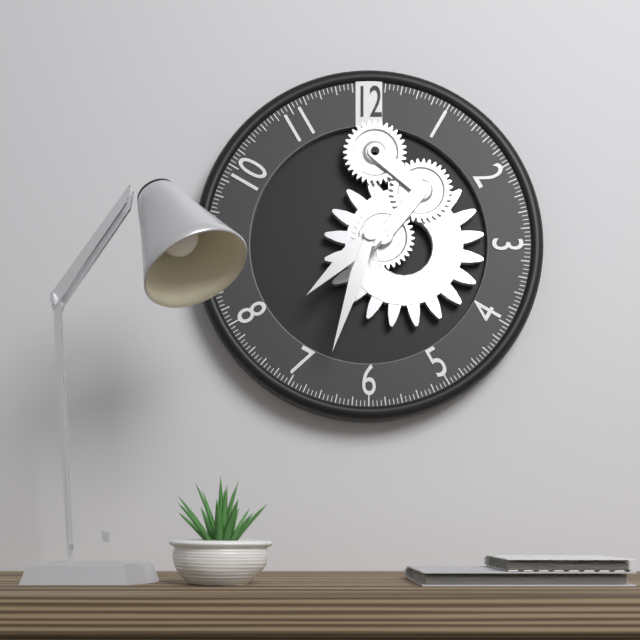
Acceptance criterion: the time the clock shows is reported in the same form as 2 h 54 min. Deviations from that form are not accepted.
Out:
7 h 33 min
